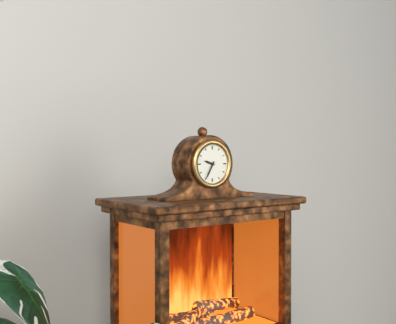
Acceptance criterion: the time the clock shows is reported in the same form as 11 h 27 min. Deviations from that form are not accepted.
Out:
9 h 35 min
